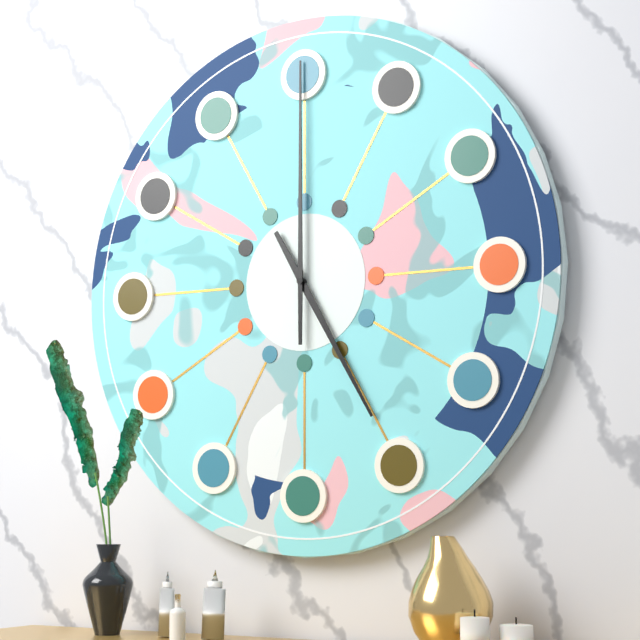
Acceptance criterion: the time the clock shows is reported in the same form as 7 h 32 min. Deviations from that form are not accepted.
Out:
5 h 00 min
